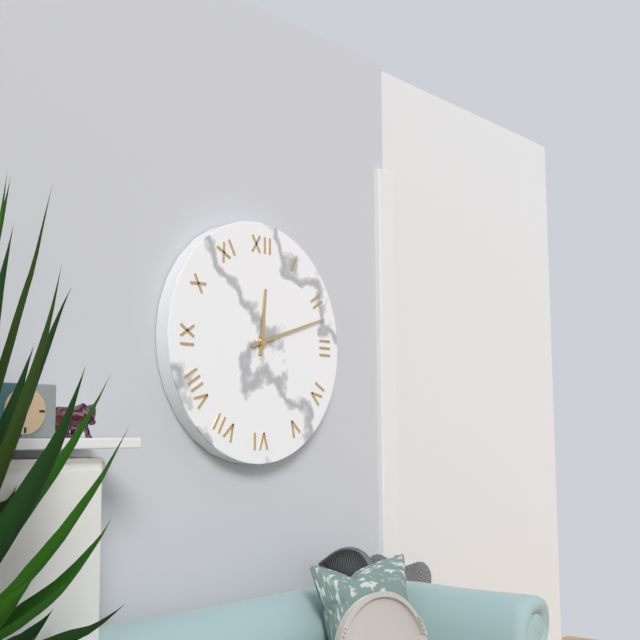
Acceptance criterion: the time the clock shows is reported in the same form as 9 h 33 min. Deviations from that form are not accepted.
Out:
12 h 12 min
